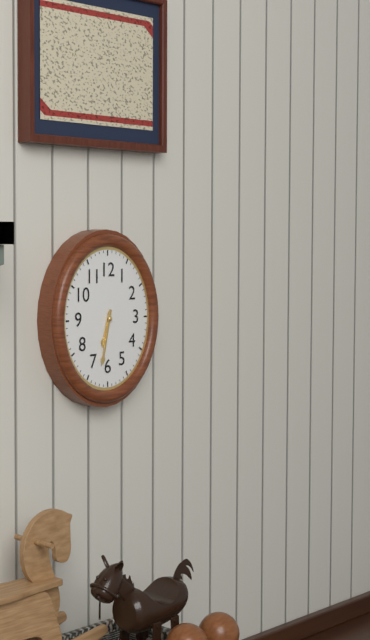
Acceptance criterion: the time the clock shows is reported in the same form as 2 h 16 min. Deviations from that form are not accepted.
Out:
6 h 32 min
